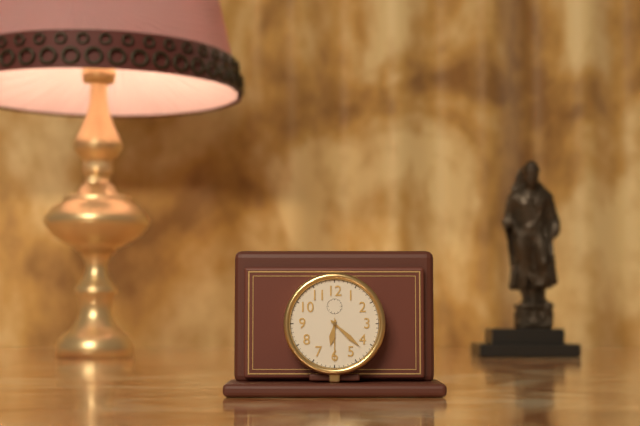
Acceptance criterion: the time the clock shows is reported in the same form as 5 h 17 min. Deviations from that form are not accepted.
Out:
6 h 22 min
